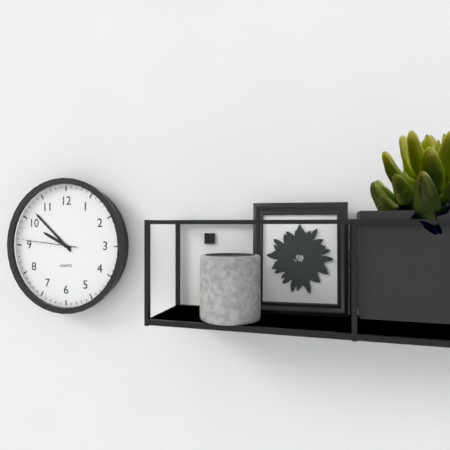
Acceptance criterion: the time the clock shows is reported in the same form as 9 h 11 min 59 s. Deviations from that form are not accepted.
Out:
9 h 52 min 46 s
